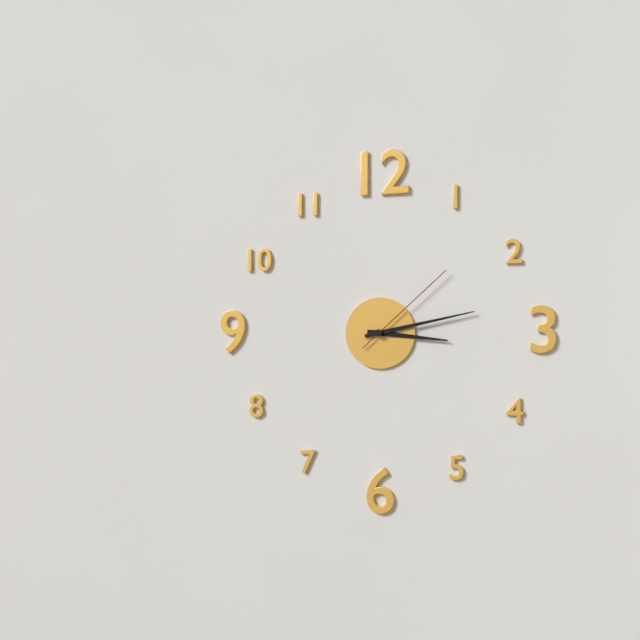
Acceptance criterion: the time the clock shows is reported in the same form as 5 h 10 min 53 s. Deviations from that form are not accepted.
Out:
3 h 13 min 08 s
